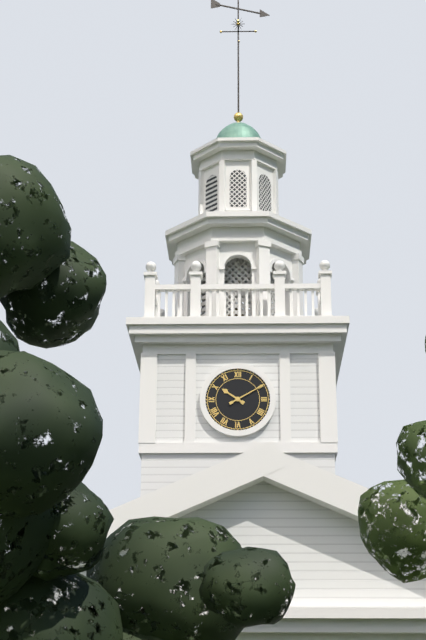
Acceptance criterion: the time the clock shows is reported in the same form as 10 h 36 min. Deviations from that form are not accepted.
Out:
10 h 10 min
